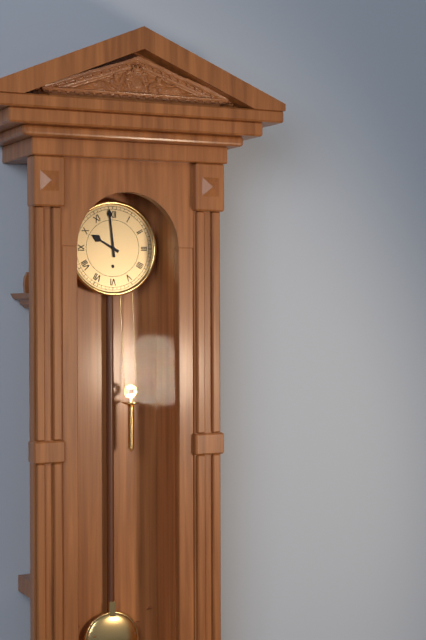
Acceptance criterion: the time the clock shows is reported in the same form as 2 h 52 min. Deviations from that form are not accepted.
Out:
9 h 59 min
